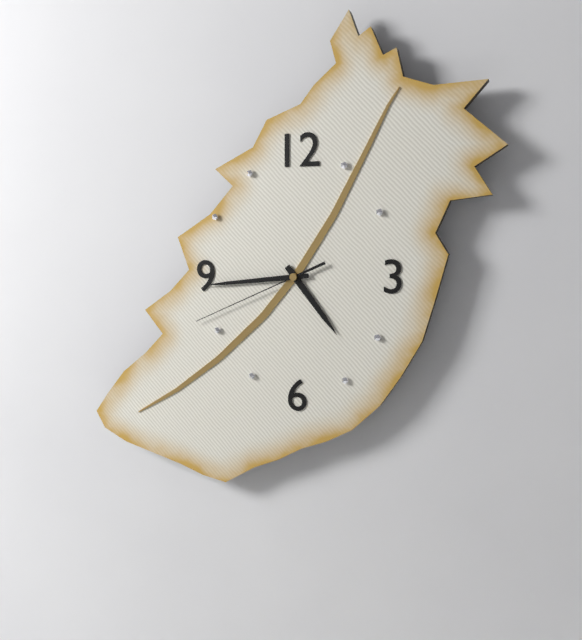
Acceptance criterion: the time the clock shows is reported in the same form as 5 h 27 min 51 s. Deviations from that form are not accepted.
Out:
4 h 44 min 41 s
